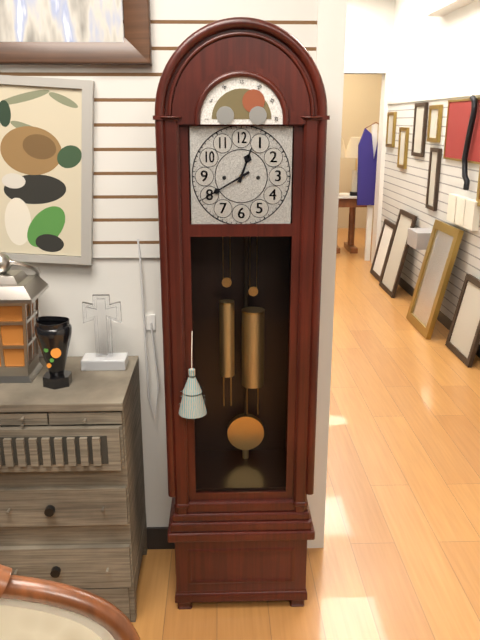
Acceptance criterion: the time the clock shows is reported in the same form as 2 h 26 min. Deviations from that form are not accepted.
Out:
12 h 40 min
